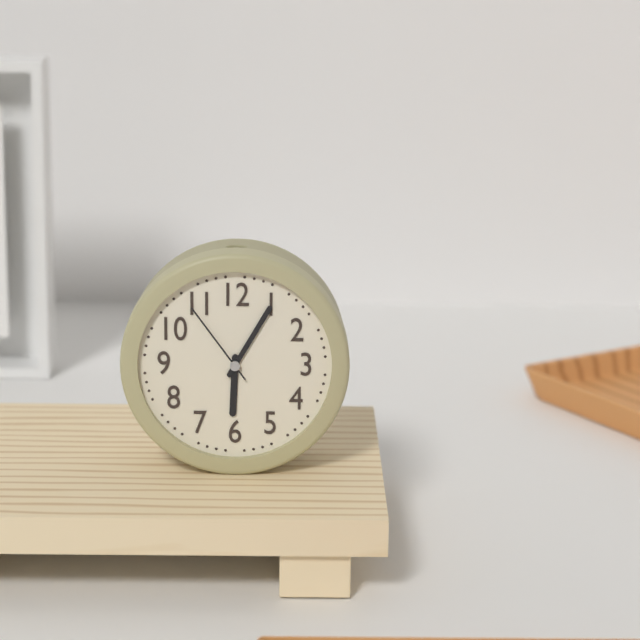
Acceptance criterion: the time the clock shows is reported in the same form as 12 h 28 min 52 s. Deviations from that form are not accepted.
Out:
6 h 05 min 54 s
